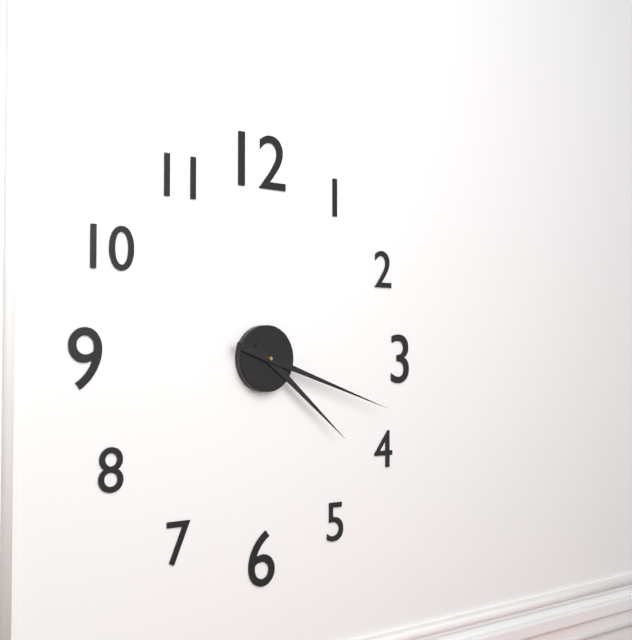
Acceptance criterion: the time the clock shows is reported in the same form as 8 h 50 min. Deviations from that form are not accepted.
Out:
4 h 18 min
